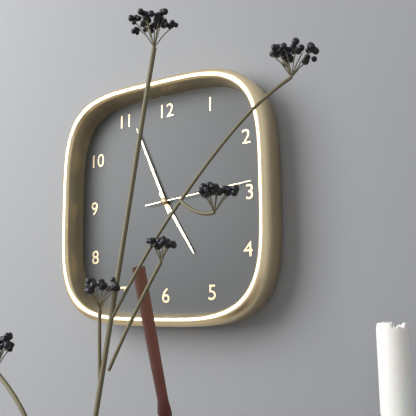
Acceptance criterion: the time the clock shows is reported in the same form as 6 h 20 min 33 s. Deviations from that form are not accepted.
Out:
4 h 56 min 14 s
